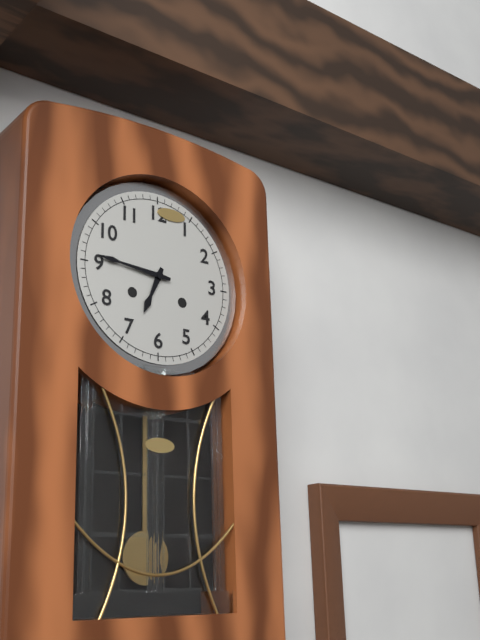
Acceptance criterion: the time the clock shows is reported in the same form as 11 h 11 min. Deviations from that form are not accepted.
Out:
6 h 46 min
